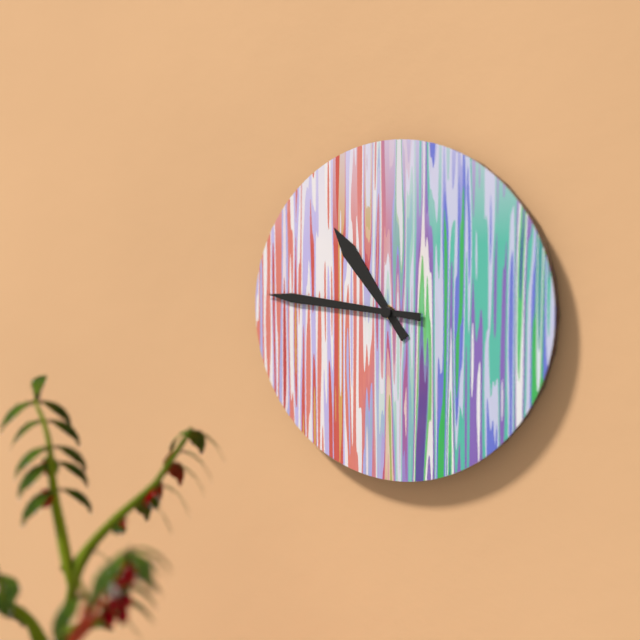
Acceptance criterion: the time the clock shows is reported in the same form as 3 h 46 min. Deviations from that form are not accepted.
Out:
10 h 46 min
